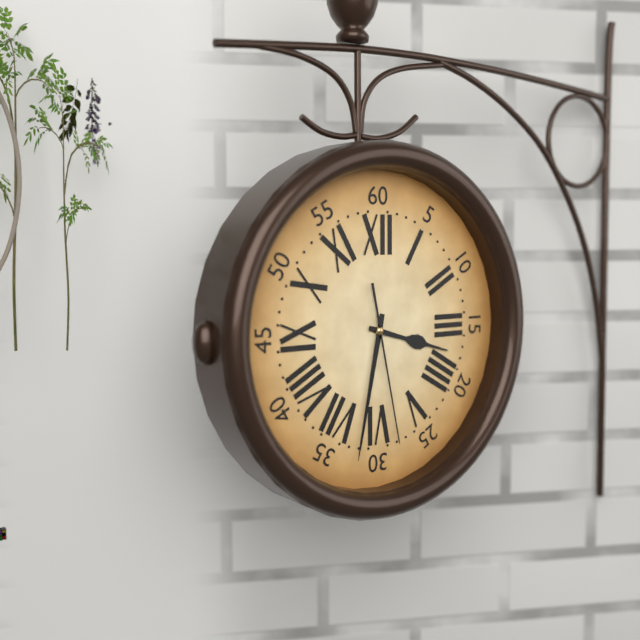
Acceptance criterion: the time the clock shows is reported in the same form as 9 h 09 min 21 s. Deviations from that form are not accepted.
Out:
3 h 32 min 28 s
